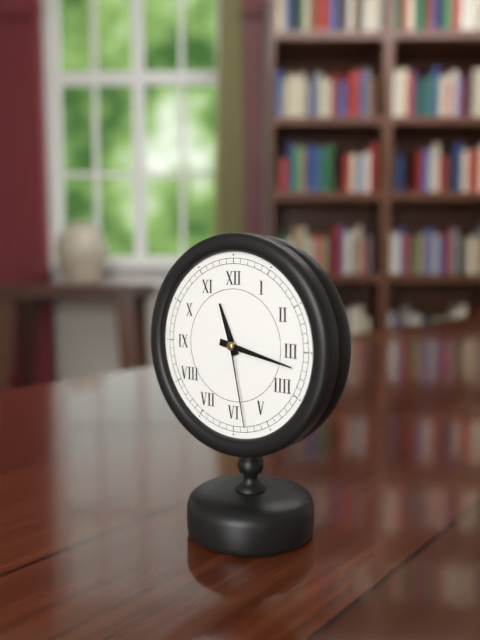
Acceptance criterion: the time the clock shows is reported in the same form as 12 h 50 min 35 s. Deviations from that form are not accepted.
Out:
11 h 17 min 28 s
